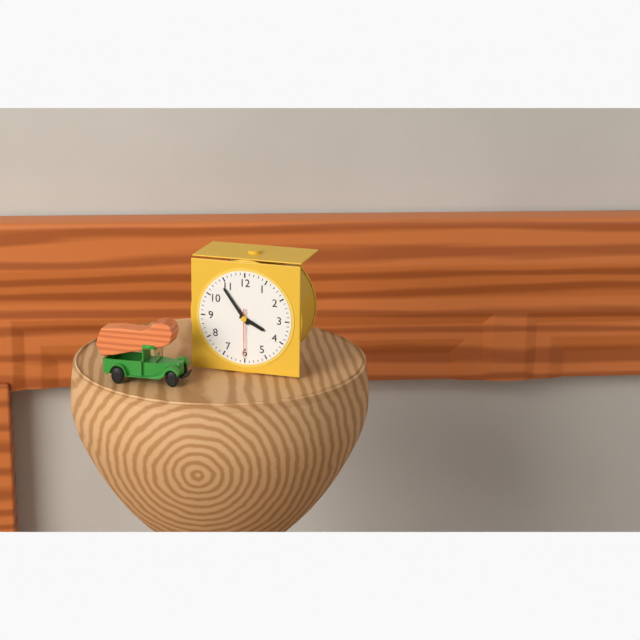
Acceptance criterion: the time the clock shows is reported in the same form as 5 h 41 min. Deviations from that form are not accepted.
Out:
3 h 54 min
